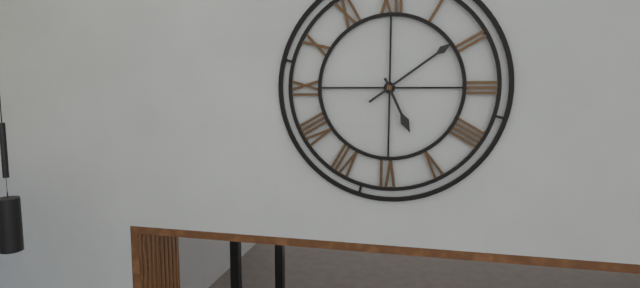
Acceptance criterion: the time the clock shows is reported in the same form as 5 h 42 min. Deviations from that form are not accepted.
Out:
5 h 09 min
